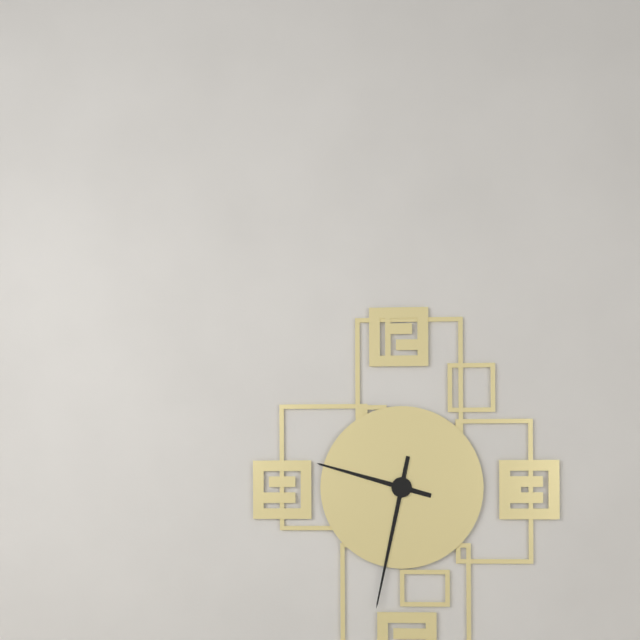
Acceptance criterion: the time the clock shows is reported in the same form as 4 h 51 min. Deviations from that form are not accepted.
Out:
9 h 32 min
